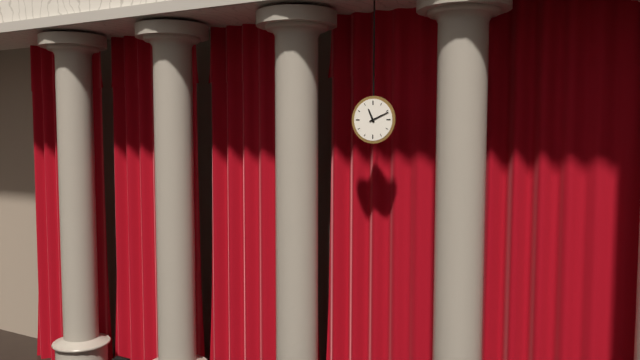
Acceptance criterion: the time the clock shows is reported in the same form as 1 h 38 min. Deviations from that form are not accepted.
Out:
11 h 11 min
